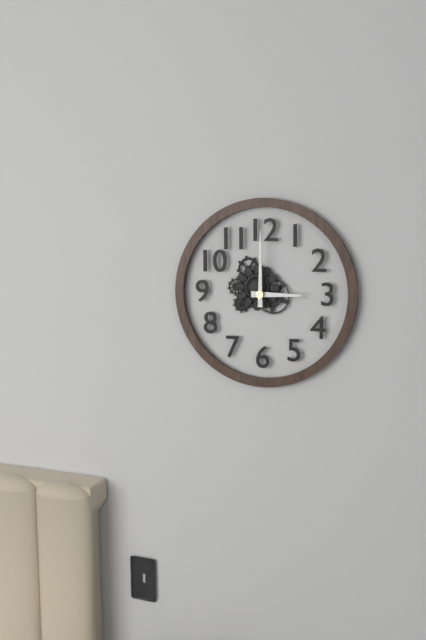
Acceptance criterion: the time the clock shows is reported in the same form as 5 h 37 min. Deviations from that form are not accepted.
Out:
3 h 00 min
